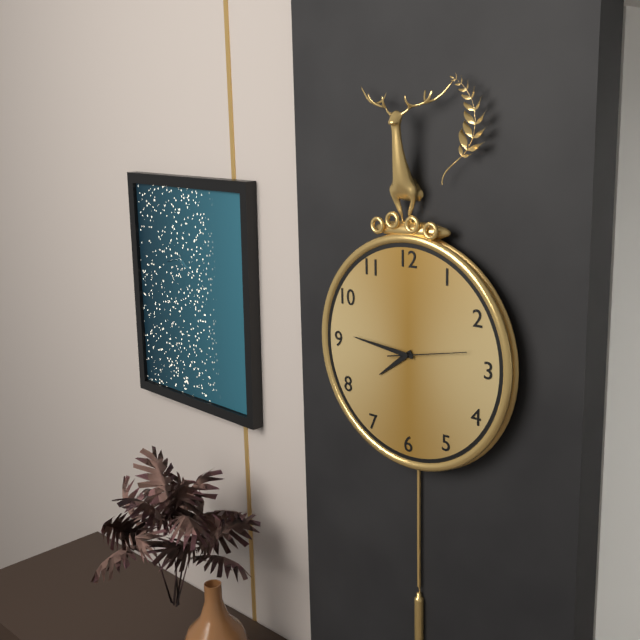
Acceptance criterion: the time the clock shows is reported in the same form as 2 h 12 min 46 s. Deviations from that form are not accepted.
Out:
7 h 46 min 13 s
